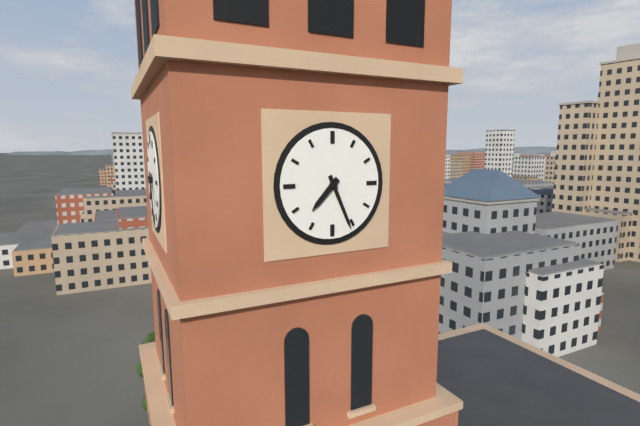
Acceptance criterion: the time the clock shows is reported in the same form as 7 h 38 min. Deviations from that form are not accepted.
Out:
7 h 26 min
